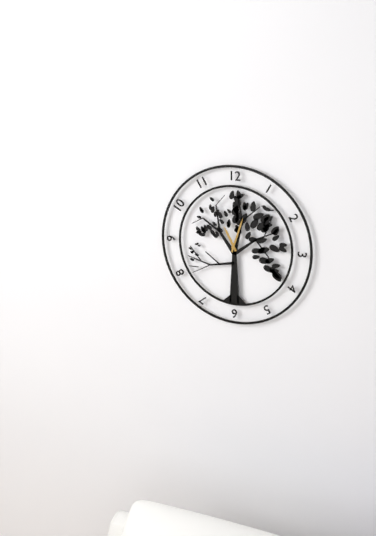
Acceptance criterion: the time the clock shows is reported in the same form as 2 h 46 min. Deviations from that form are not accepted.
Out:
11 h 03 min
